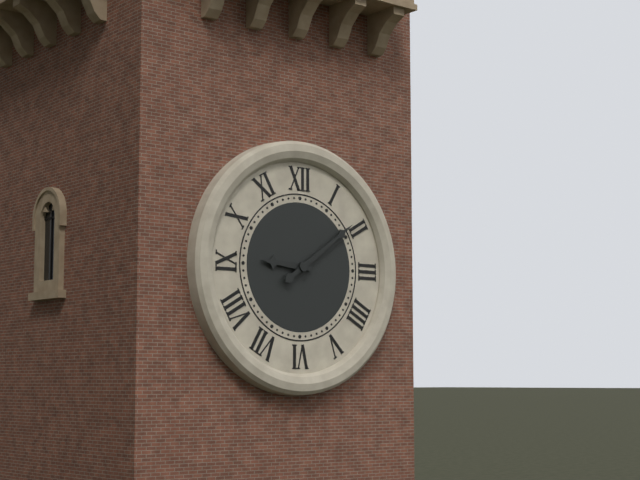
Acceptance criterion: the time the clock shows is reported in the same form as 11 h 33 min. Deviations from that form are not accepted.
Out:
9 h 09 min
